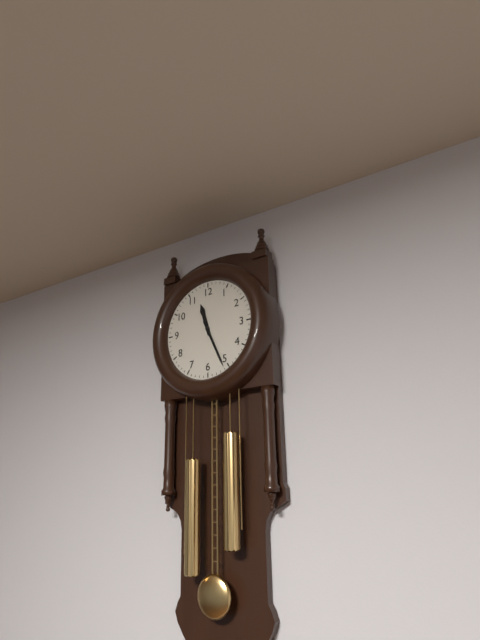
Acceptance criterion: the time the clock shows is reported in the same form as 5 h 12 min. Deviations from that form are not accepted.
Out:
11 h 26 min
